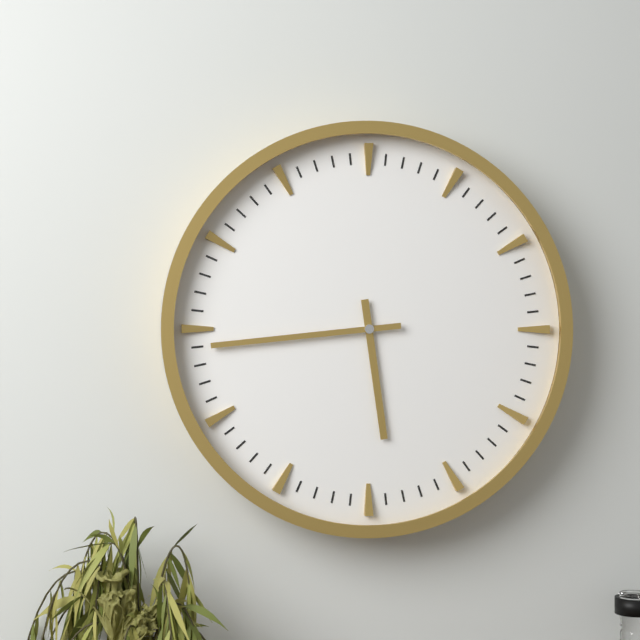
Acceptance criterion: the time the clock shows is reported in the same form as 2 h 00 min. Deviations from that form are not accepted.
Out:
5 h 44 min
